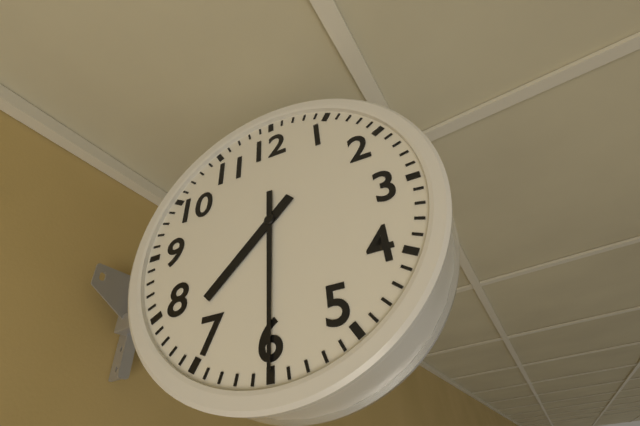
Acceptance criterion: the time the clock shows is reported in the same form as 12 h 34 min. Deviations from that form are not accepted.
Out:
7 h 30 min
